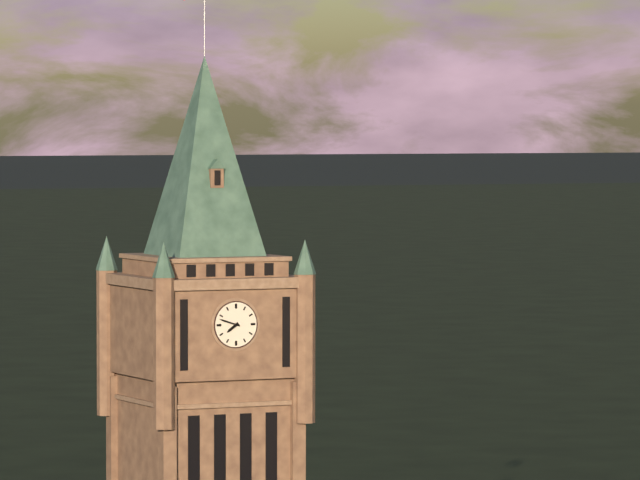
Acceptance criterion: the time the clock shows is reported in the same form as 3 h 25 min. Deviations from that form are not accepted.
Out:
7 h 48 min
